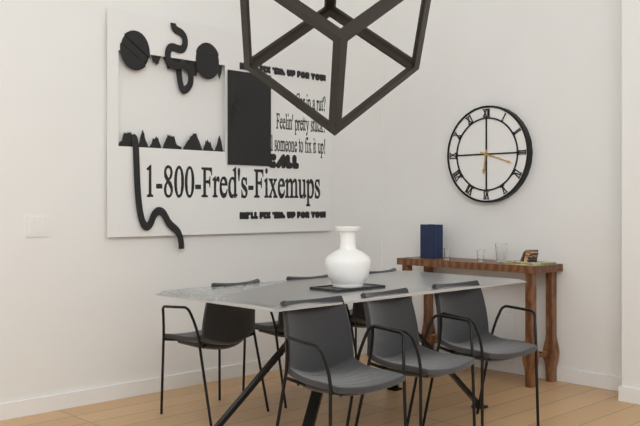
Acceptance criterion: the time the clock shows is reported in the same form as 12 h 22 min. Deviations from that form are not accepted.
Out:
6 h 18 min
